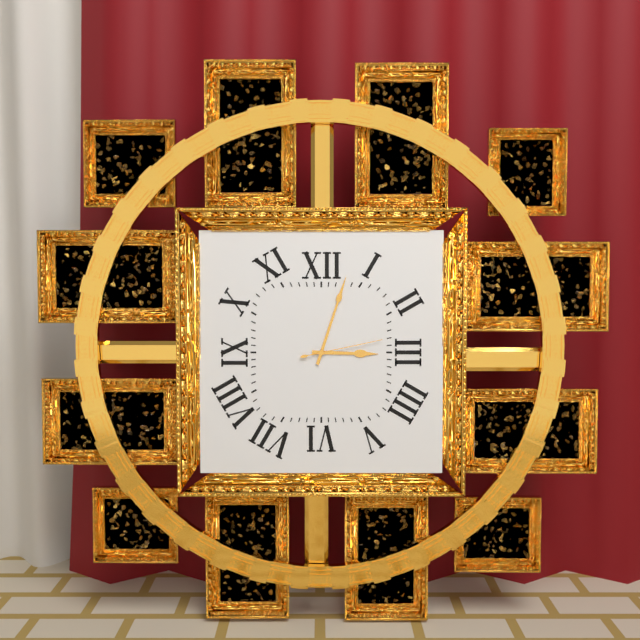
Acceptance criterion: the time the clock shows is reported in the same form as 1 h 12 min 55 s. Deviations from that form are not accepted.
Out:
3 h 03 min 13 s
